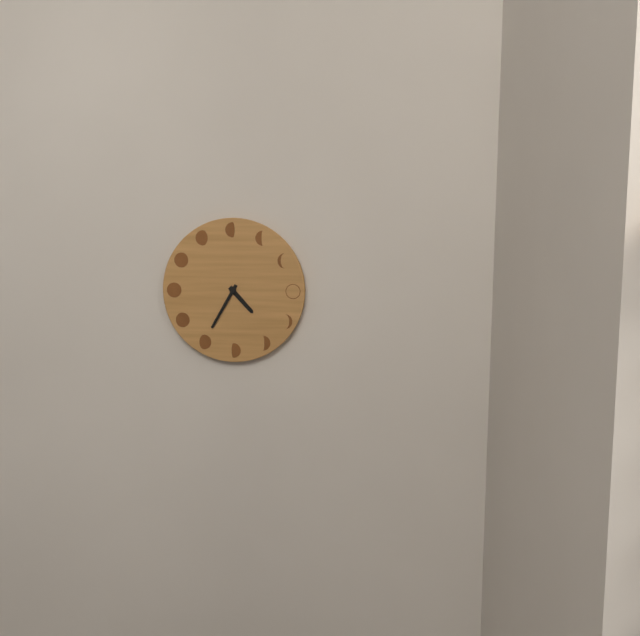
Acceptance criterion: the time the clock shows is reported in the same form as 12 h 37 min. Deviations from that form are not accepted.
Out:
4 h 35 min
